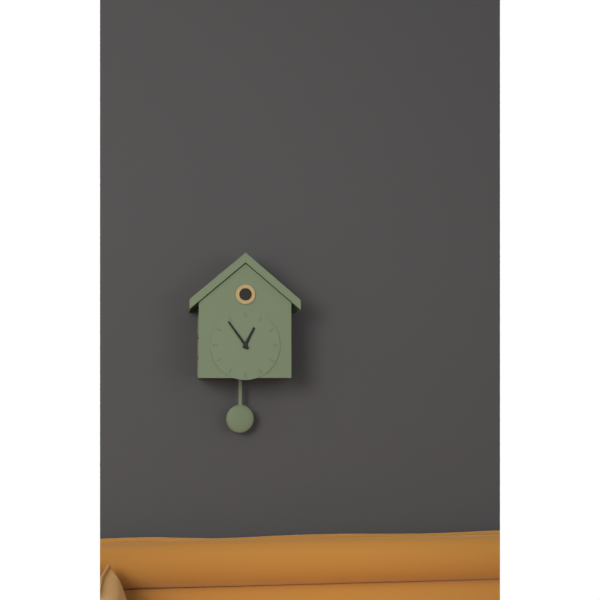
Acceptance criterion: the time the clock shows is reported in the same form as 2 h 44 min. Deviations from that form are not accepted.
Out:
12 h 54 min
